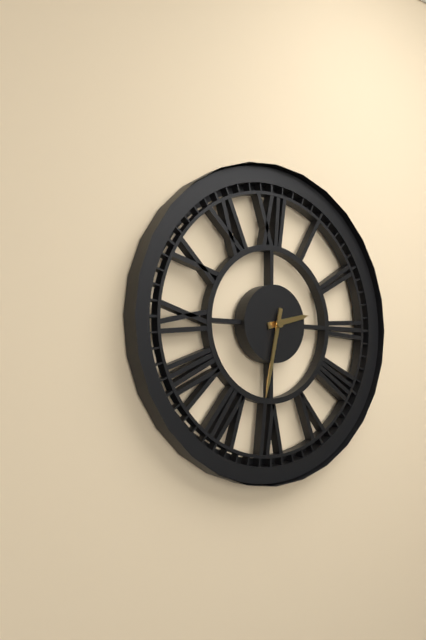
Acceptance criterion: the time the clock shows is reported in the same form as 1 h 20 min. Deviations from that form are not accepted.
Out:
2 h 32 min
